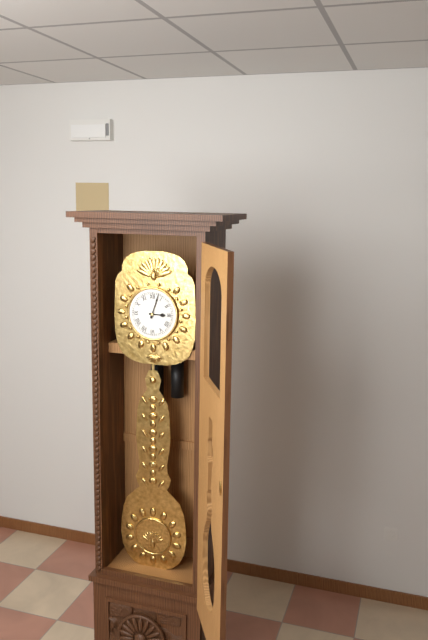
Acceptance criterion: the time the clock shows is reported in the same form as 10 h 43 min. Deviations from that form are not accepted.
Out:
3 h 03 min
